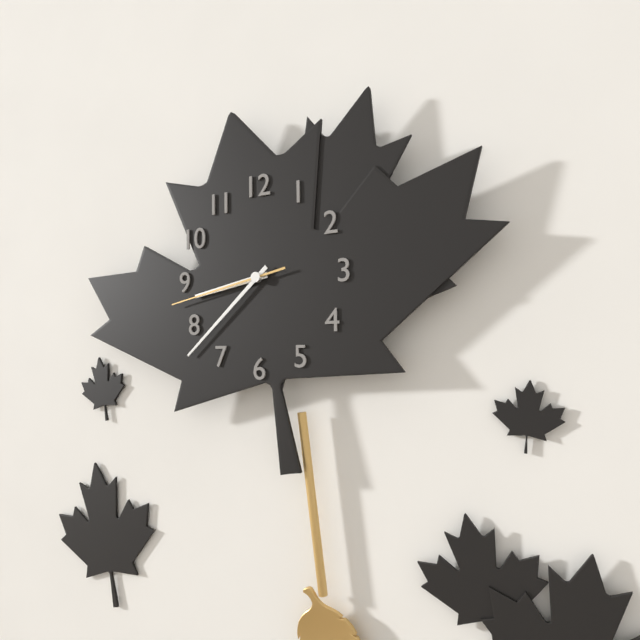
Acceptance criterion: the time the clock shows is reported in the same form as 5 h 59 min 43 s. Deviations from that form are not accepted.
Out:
8 h 38 min 43 s
